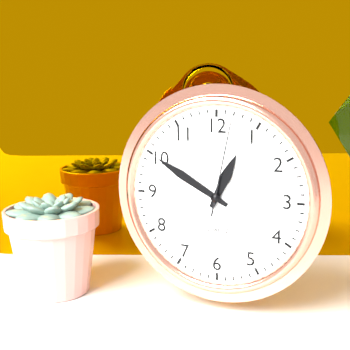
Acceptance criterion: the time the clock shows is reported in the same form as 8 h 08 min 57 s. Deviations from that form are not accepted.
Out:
12 h 50 min 02 s
